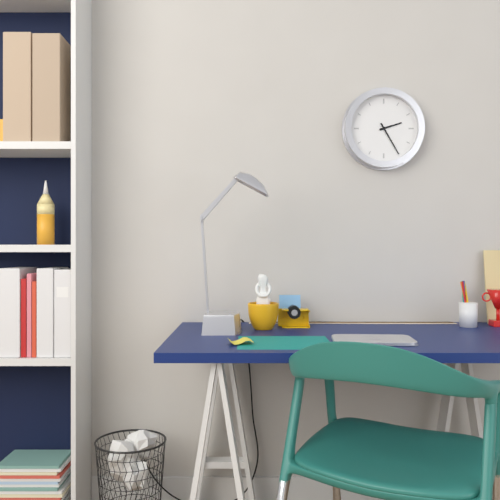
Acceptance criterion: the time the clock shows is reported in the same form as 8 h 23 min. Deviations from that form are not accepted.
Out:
2 h 25 min
